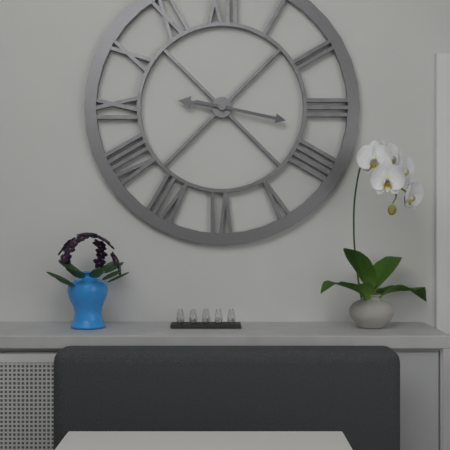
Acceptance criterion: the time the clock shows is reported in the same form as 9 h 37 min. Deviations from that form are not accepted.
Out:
9 h 17 min
